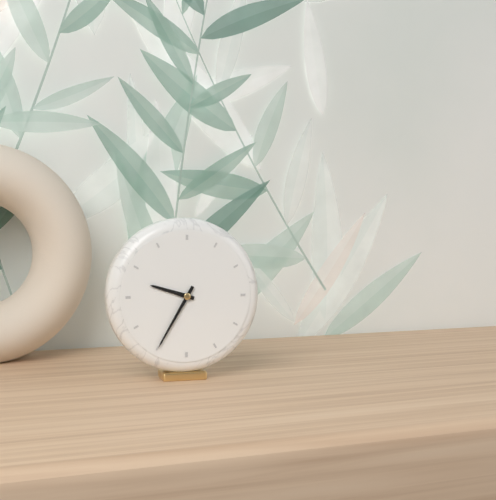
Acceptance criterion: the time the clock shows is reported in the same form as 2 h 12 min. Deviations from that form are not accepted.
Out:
9 h 35 min
